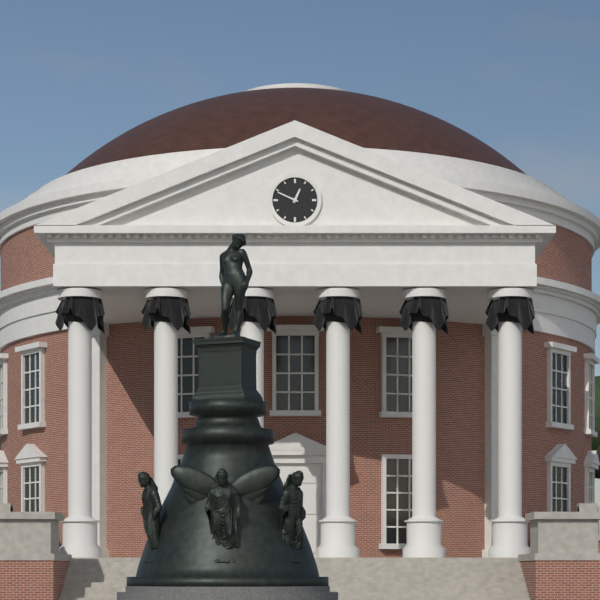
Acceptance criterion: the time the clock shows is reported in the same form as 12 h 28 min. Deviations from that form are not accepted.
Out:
12 h 49 min
